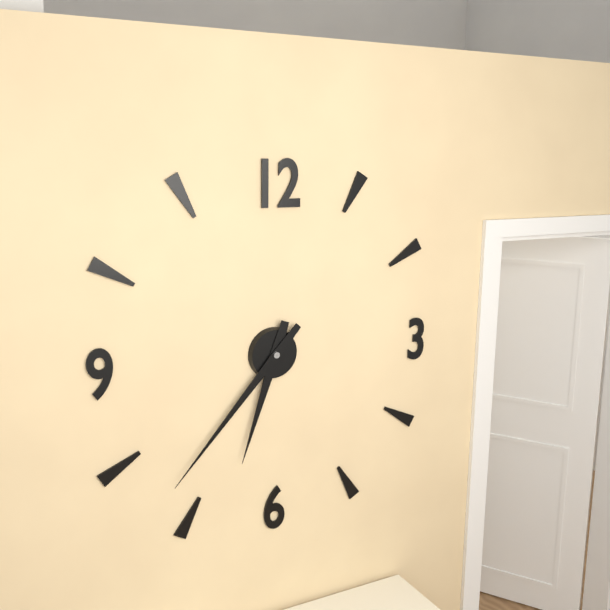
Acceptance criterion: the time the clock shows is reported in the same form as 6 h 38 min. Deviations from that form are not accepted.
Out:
6 h 37 min
